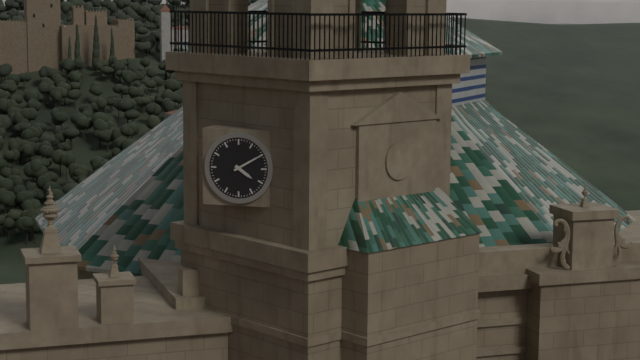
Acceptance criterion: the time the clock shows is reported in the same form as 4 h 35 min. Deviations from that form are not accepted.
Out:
4 h 10 min
